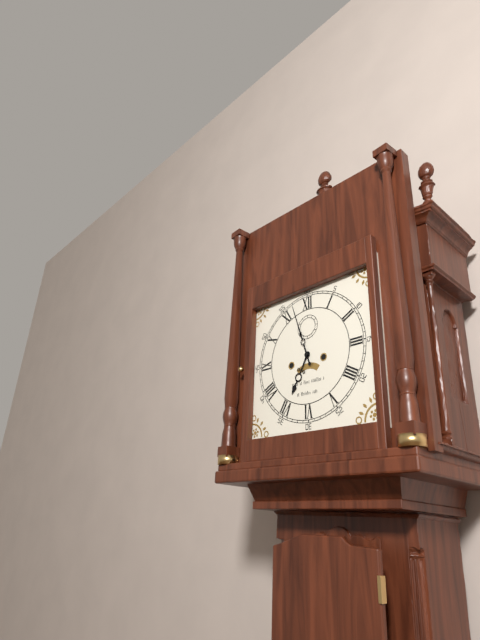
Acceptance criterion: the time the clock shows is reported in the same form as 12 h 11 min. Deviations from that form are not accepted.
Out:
6 h 57 min
